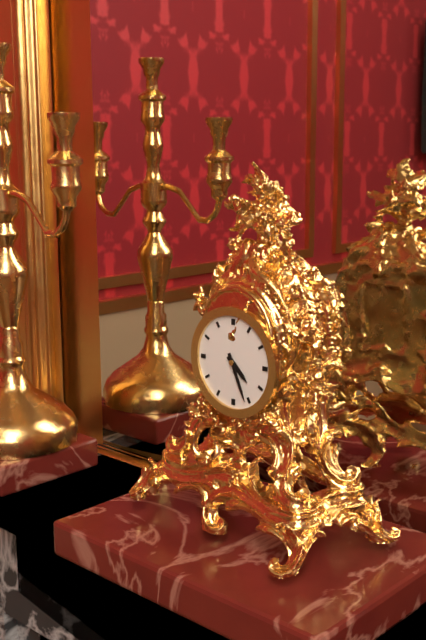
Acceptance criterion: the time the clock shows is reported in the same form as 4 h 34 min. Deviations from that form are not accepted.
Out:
4 h 26 min
